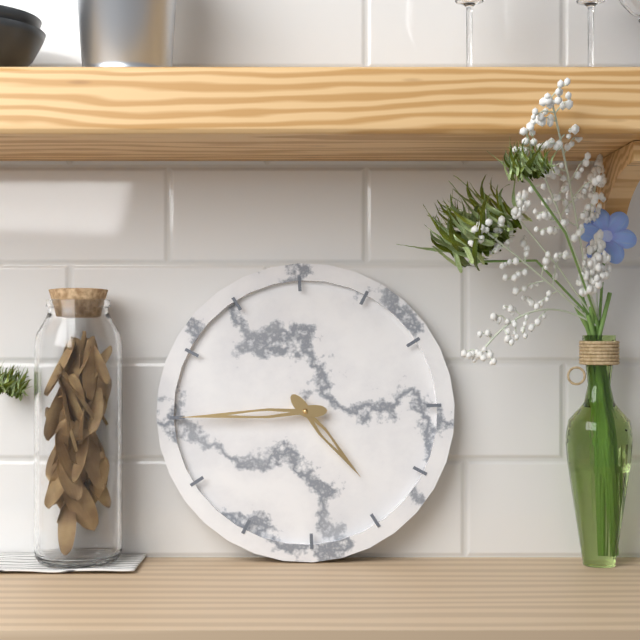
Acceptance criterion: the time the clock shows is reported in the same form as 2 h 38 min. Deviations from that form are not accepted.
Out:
4 h 45 min
